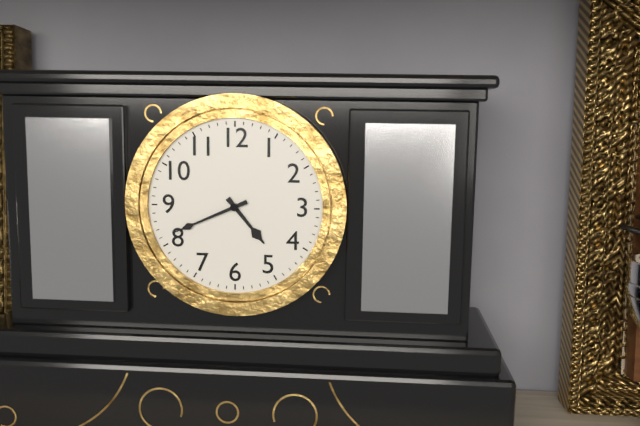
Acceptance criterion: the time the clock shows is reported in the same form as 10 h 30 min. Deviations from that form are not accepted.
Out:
4 h 41 min
